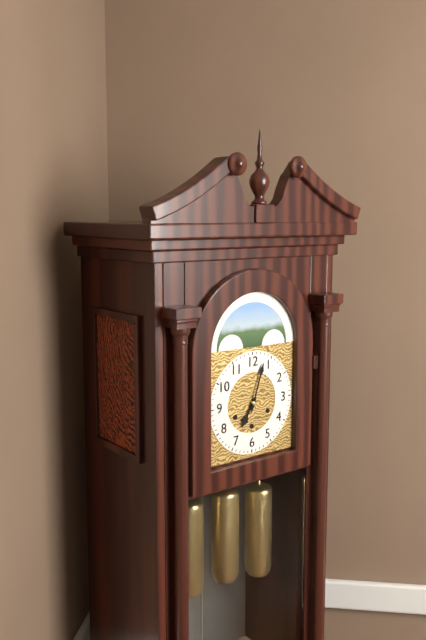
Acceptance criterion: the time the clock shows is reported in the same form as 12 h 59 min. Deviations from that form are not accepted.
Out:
7 h 03 min
